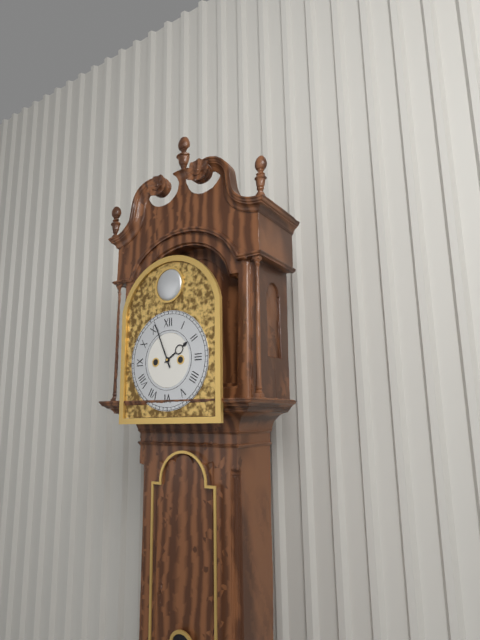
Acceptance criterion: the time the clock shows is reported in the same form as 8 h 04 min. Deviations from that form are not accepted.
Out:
1 h 56 min
